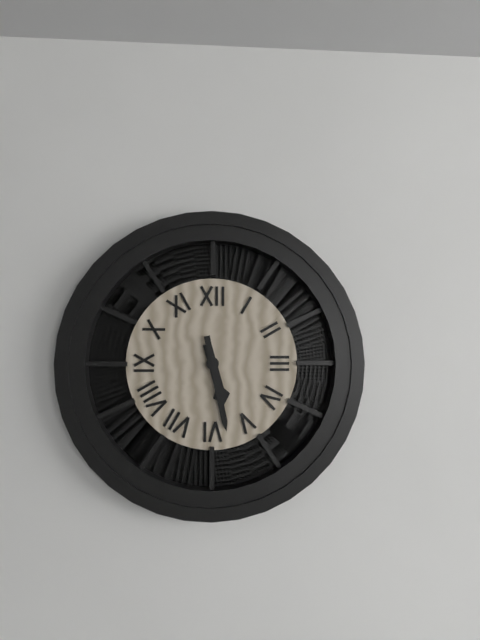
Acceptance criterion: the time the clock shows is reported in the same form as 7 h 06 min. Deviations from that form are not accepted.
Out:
5 h 28 min
